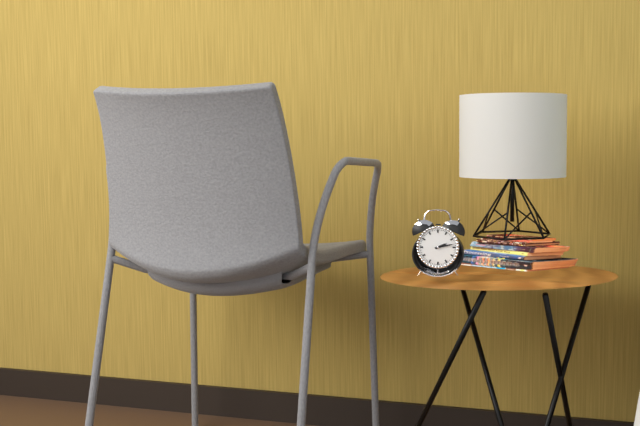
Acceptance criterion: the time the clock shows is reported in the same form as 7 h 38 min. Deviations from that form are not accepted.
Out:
2 h 13 min
